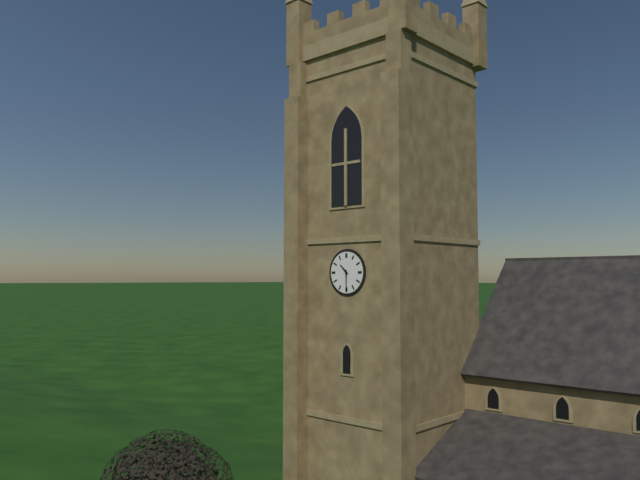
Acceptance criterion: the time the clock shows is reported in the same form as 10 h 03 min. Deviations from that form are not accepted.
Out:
10 h 30 min
